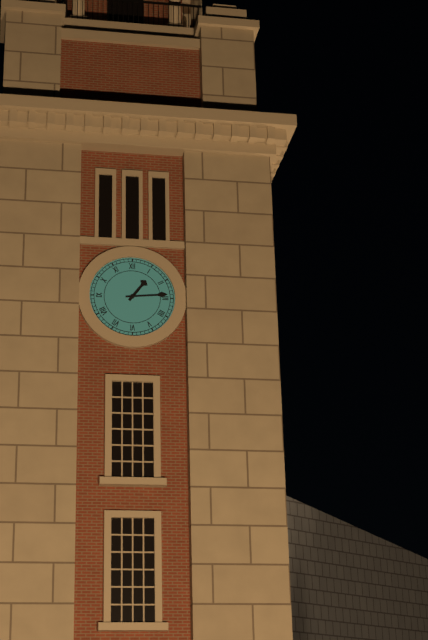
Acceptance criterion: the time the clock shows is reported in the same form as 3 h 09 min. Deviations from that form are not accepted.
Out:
1 h 14 min
